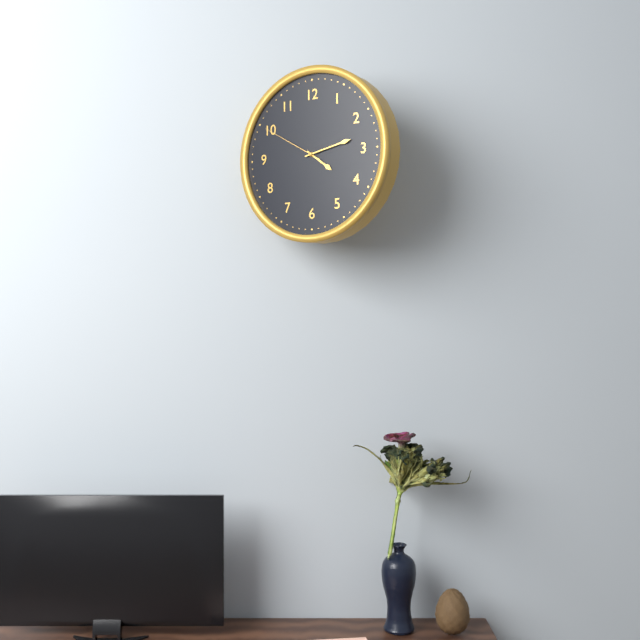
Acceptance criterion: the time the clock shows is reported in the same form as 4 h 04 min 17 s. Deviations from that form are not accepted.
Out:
4 h 13 min 50 s
